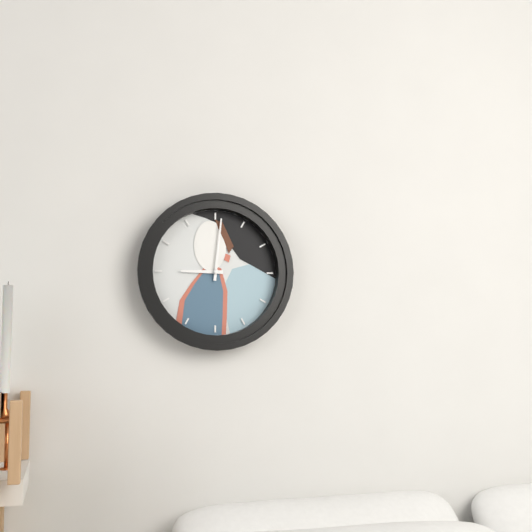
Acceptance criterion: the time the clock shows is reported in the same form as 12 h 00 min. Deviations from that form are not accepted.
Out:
9 h 01 min
